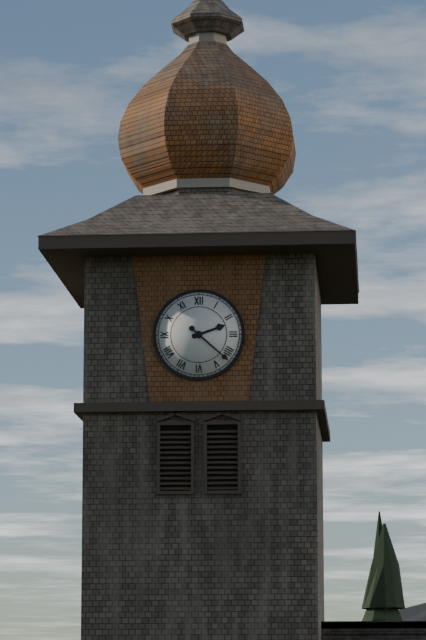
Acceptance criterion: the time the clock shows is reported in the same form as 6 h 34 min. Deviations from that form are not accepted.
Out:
2 h 22 min
